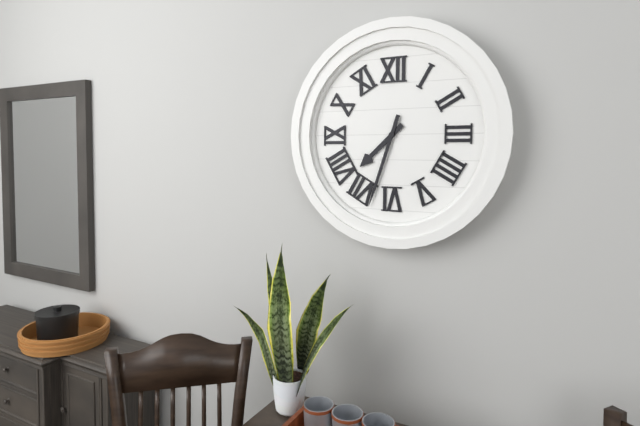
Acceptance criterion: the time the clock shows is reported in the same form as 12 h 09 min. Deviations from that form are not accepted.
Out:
7 h 33 min
